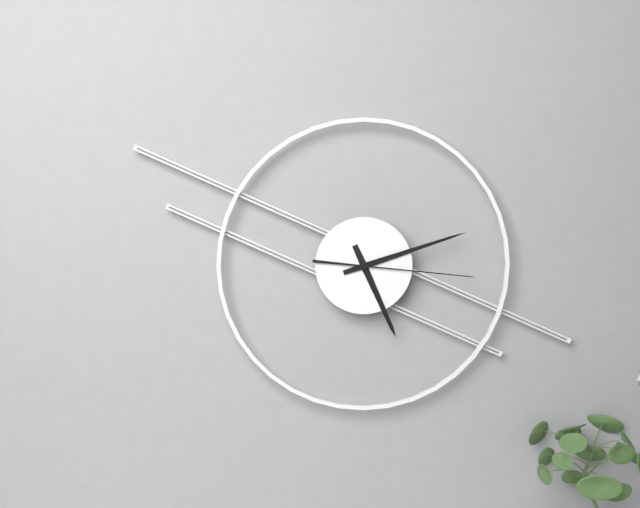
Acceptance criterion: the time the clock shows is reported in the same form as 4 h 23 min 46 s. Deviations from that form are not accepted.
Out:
5 h 12 min 16 s
